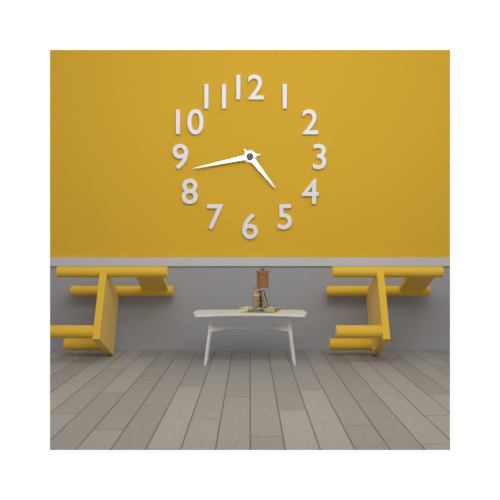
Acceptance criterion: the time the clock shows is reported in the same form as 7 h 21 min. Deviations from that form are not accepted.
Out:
4 h 43 min
